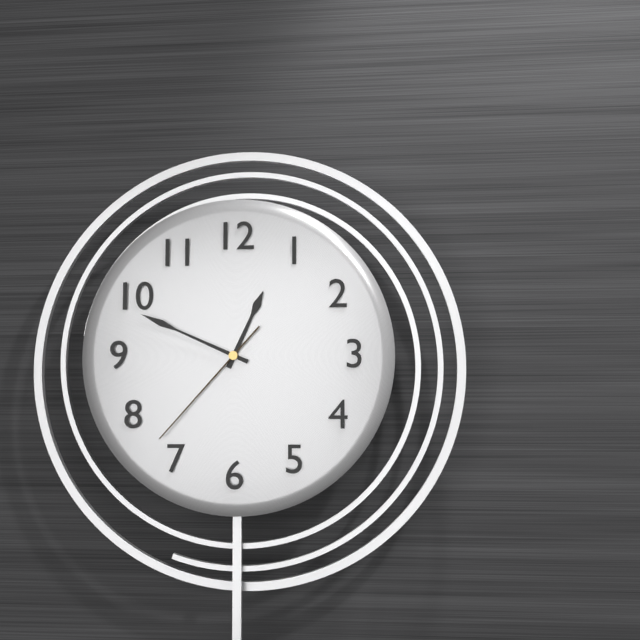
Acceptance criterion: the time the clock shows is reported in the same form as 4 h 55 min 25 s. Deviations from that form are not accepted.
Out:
12 h 49 min 37 s
